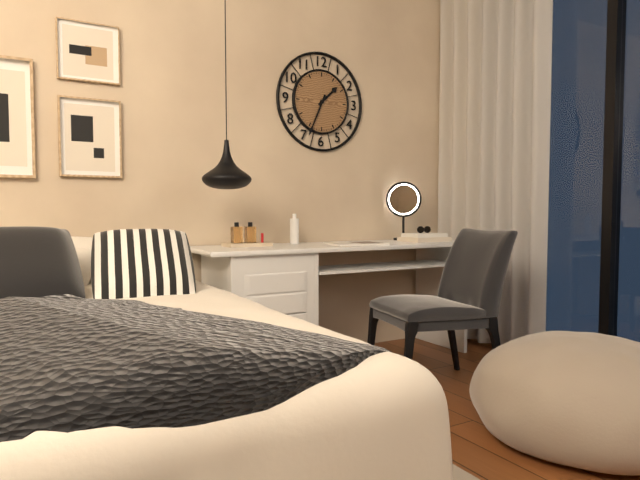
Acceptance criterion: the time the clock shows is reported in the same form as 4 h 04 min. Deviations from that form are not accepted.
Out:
1 h 34 min
